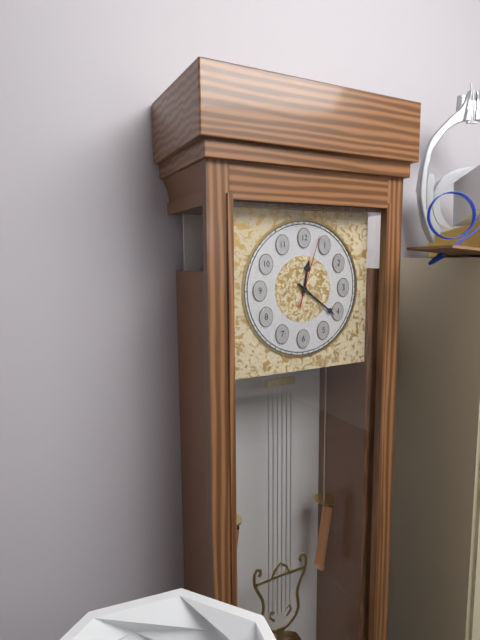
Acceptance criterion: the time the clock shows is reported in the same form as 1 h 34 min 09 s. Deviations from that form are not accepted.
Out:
12 h 21 min 03 s
